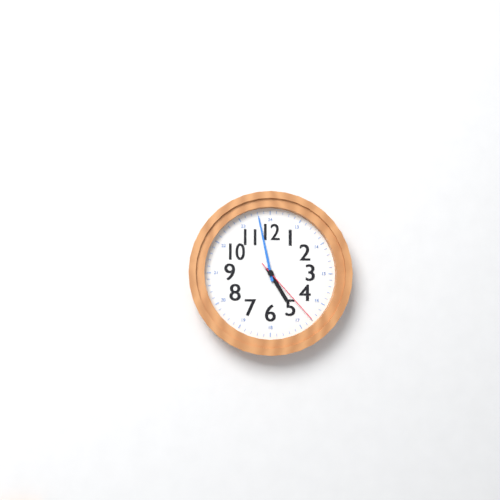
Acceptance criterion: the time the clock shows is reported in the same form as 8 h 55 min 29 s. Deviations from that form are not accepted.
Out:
4 h 58 min 23 s
